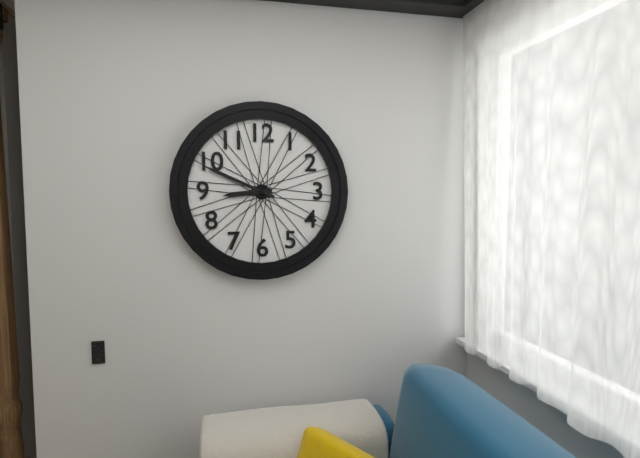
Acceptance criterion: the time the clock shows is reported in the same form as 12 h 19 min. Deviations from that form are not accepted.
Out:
8 h 49 min
